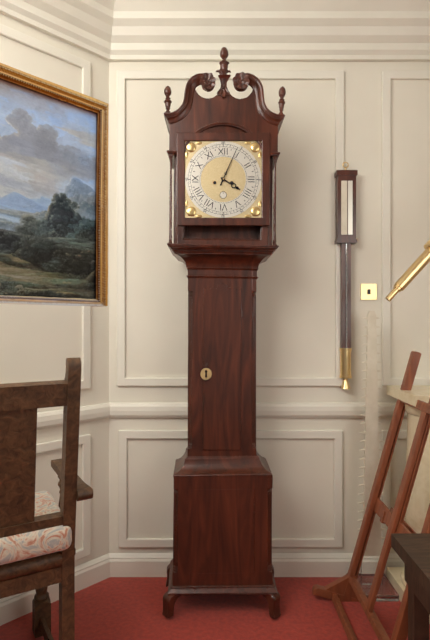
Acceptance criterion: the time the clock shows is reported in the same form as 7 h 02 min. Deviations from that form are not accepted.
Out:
4 h 04 min
